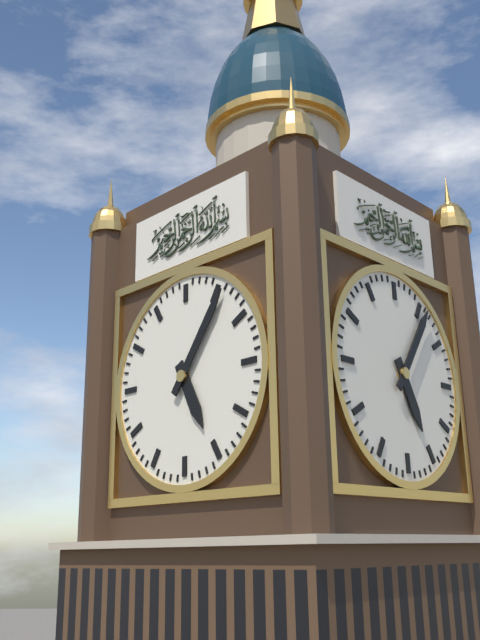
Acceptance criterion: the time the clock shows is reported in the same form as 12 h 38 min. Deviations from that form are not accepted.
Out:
5 h 06 min
